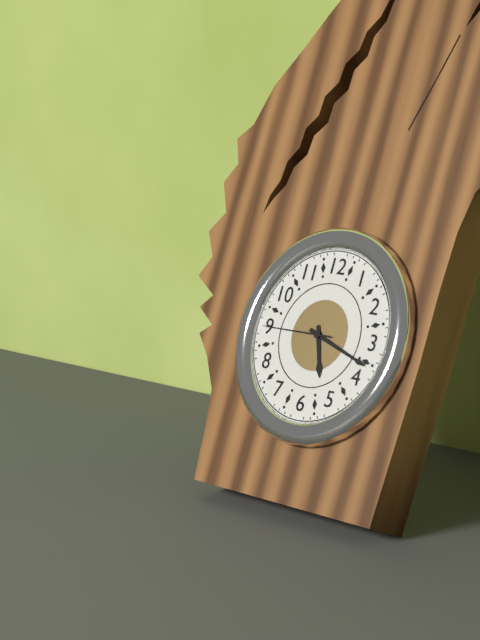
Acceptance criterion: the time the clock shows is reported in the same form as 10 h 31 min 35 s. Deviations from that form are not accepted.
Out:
5 h 18 min 45 s
